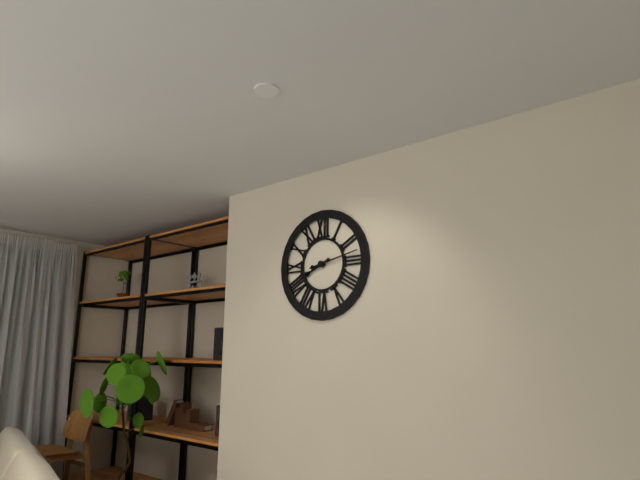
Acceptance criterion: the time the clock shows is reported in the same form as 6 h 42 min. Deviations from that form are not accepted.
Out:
8 h 13 min
